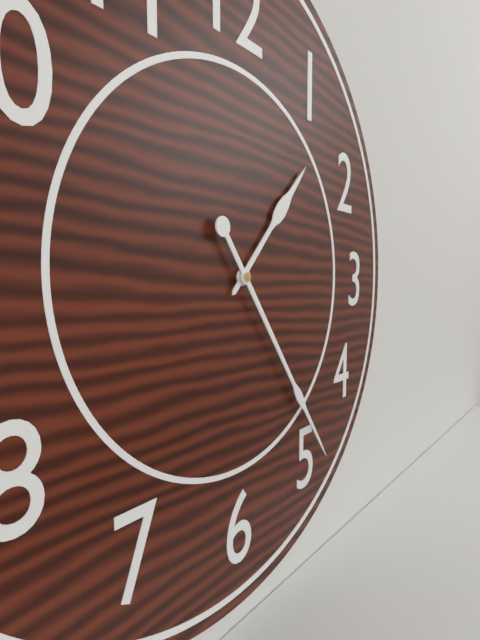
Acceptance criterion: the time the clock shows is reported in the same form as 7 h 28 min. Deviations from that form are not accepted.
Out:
1 h 24 min
